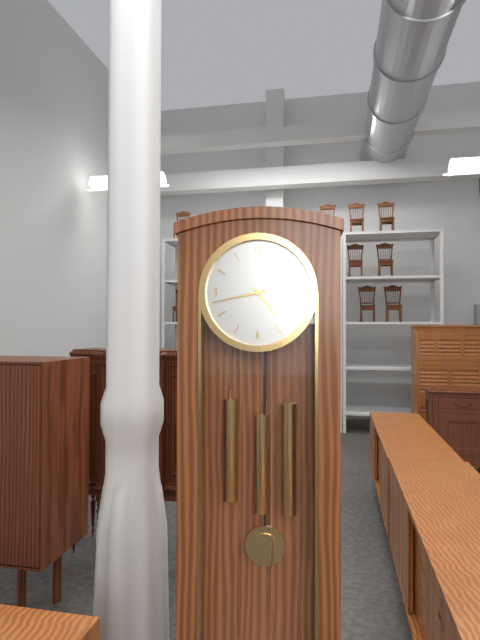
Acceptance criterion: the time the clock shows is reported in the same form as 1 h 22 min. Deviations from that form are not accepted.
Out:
4 h 43 min
